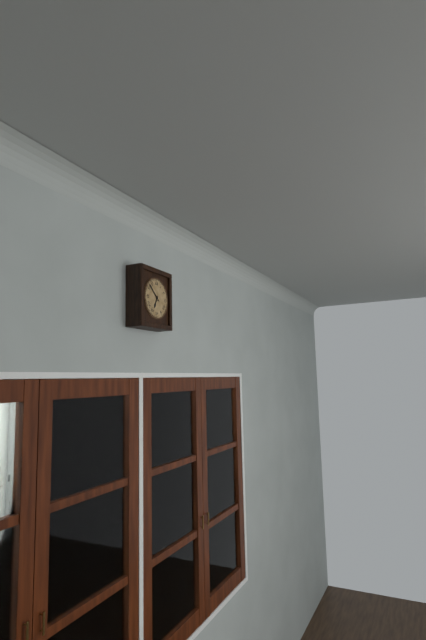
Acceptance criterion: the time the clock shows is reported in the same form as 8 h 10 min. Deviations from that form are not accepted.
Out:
6 h 52 min
